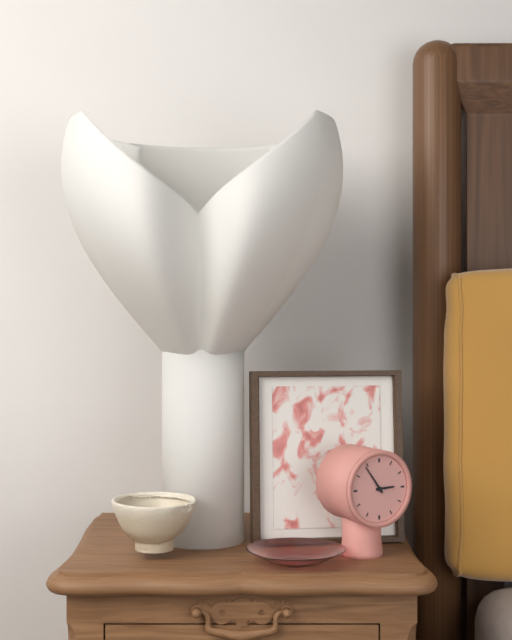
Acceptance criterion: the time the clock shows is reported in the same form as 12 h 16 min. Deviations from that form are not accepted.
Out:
2 h 54 min
